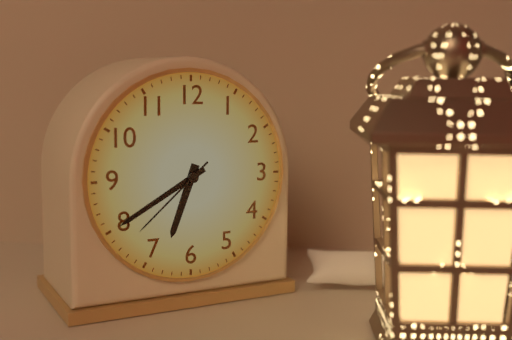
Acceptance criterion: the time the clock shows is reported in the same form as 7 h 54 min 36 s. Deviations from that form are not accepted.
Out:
6 h 40 min 38 s
